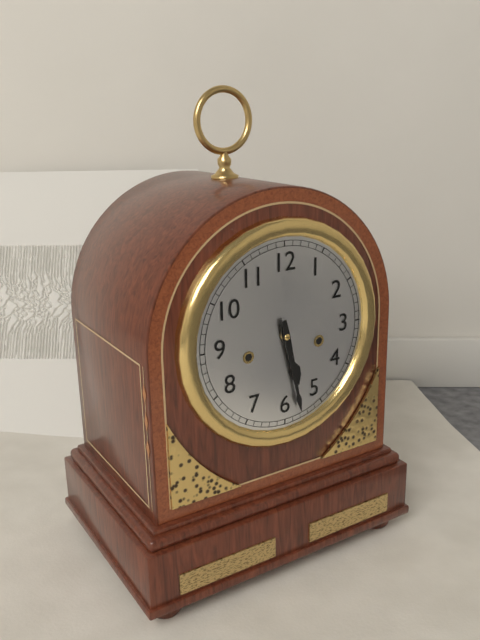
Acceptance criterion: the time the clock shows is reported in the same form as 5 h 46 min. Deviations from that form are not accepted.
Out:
5 h 28 min
